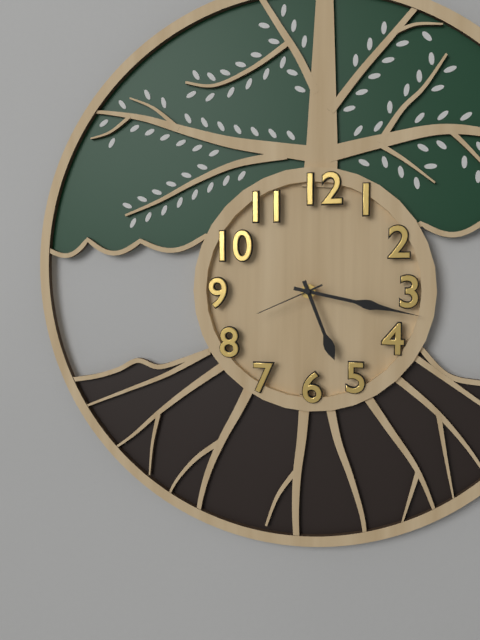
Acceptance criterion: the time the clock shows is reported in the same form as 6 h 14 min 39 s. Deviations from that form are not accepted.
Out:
5 h 17 min 41 s
